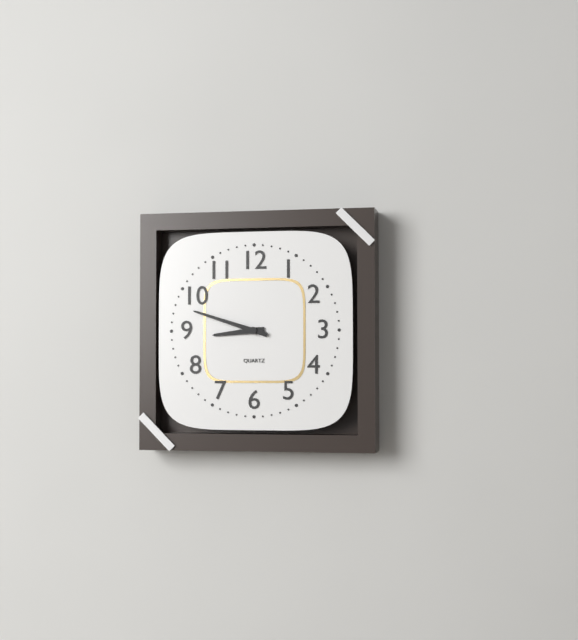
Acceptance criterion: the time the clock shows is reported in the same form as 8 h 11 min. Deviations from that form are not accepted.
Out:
8 h 48 min
